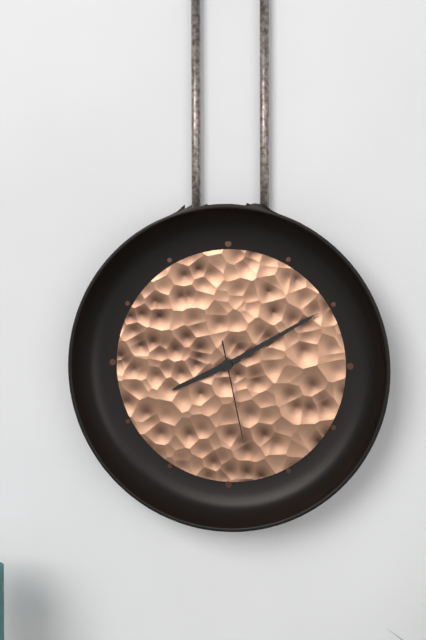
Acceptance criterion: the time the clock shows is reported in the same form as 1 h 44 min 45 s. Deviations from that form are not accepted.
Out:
8 h 10 min 28 s
